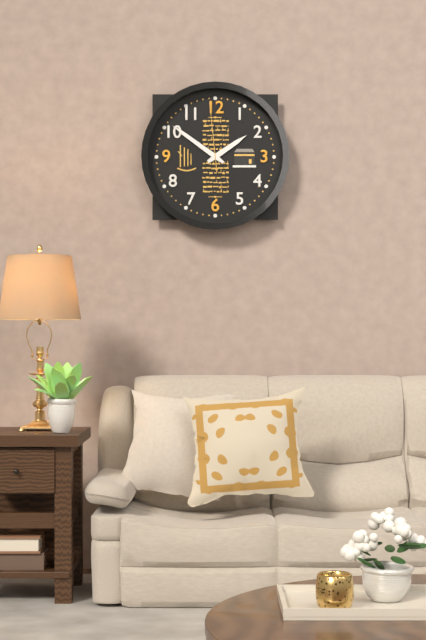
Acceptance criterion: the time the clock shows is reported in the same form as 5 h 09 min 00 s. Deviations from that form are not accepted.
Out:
1 h 51 min 59 s
